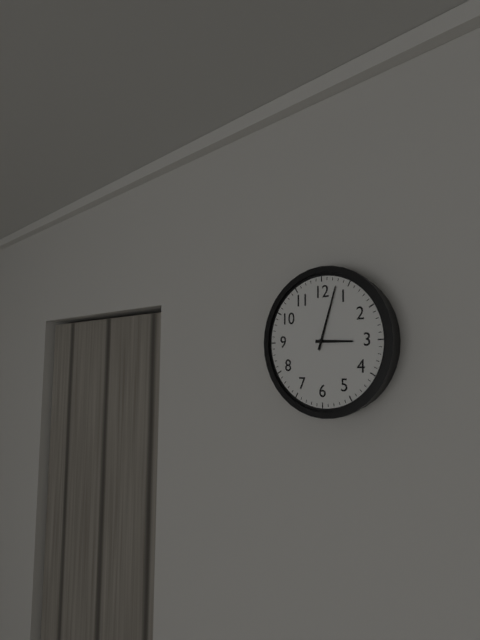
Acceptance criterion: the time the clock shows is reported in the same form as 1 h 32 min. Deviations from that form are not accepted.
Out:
3 h 03 min
